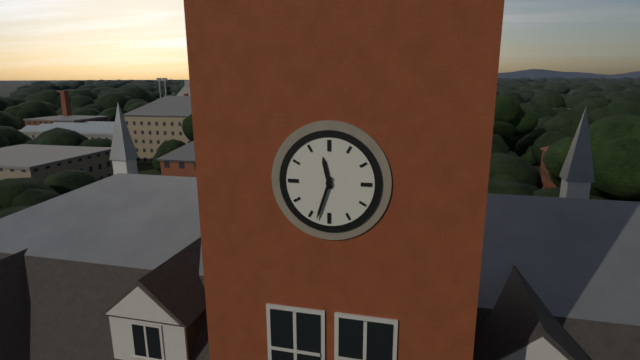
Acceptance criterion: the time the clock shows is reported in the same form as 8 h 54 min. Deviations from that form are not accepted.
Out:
11 h 33 min
